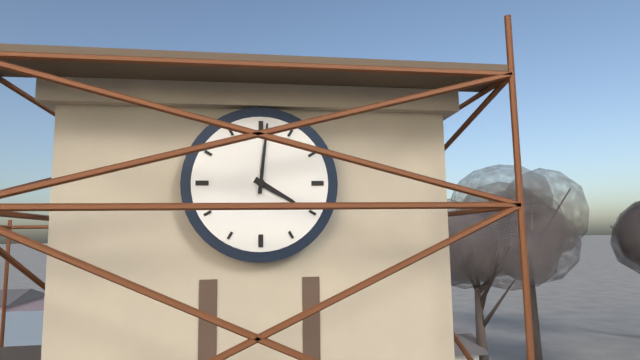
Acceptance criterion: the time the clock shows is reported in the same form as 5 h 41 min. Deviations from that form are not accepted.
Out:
4 h 01 min
